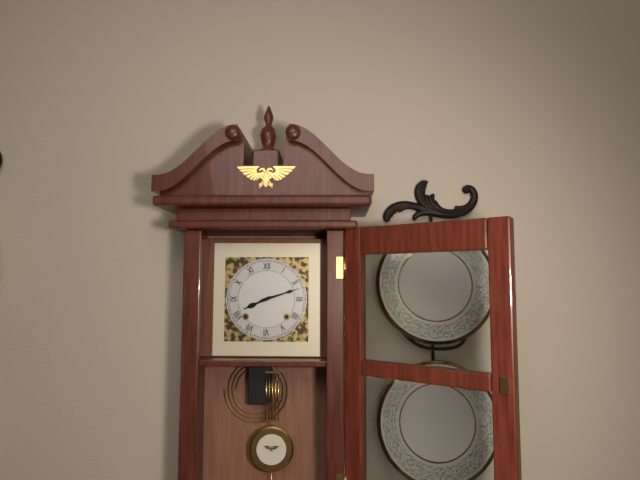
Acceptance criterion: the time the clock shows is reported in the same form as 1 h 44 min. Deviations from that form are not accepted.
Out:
8 h 12 min
